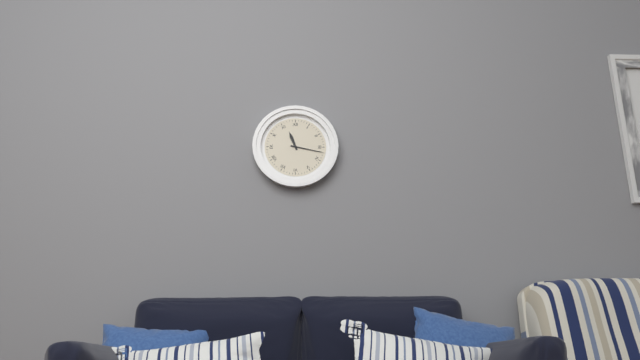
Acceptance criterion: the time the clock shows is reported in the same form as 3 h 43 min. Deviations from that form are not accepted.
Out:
11 h 17 min
